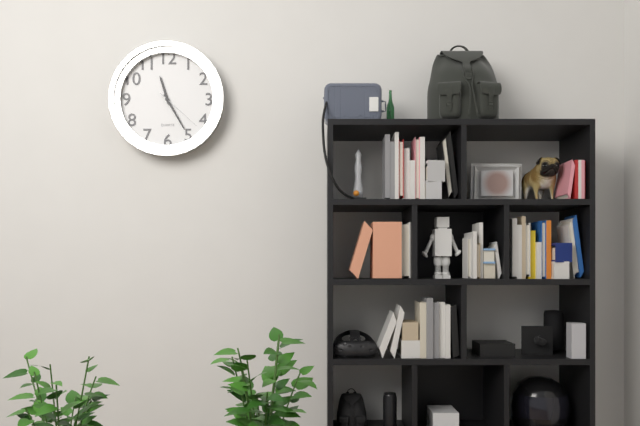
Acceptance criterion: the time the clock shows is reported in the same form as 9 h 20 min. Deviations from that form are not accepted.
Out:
11 h 25 min
